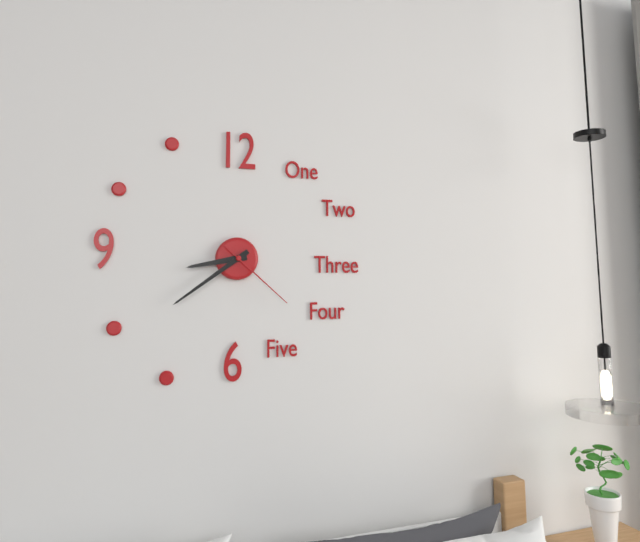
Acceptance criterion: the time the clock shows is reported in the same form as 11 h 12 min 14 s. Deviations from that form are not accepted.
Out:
8 h 39 min 22 s
